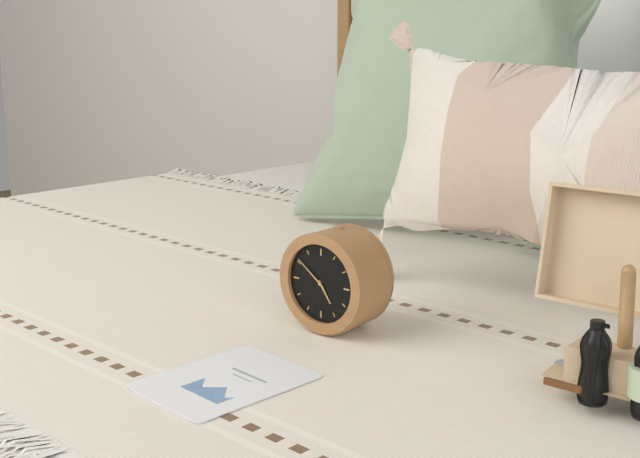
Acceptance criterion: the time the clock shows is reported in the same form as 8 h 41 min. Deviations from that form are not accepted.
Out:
4 h 51 min
